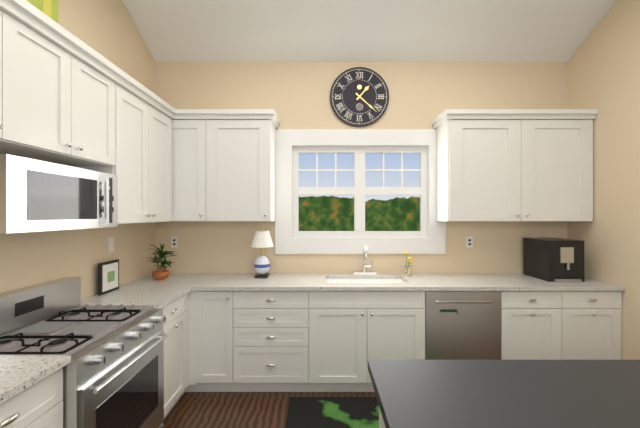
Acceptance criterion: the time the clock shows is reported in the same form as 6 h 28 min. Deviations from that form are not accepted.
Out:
1 h 22 min
